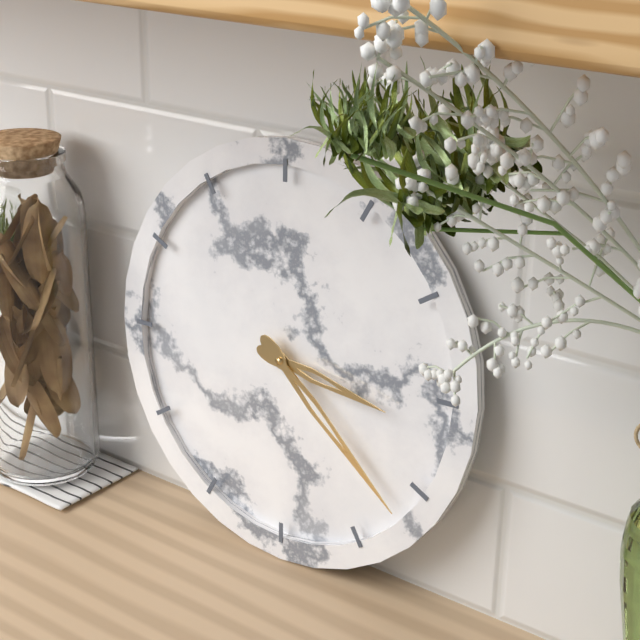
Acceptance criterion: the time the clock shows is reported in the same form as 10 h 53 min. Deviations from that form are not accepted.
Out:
3 h 22 min
